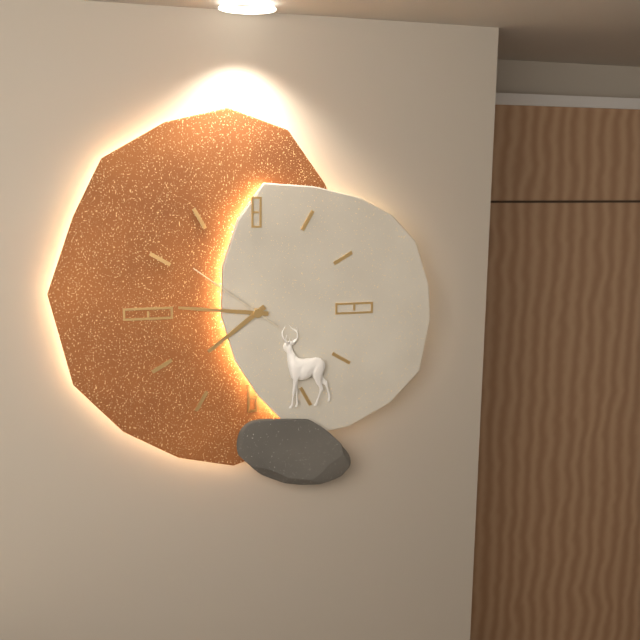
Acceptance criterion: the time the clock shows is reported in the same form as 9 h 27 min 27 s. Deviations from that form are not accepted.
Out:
7 h 46 min 51 s
